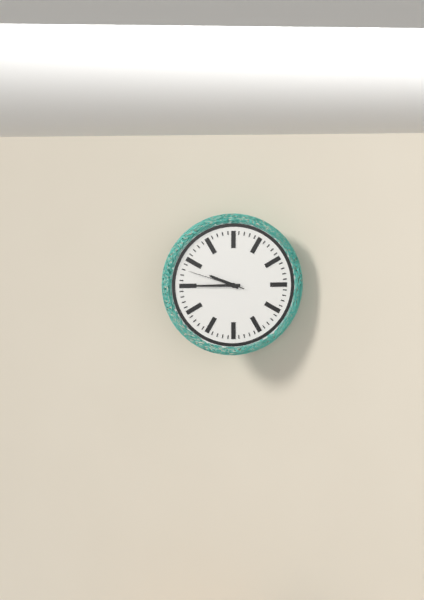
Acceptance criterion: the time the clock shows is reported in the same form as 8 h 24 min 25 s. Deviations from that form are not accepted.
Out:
9 h 45 min 48 s
